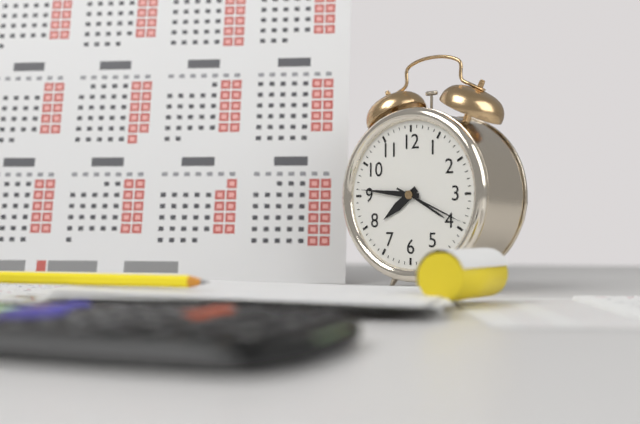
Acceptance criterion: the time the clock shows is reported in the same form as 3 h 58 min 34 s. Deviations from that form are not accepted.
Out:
7 h 46 min 19 s
